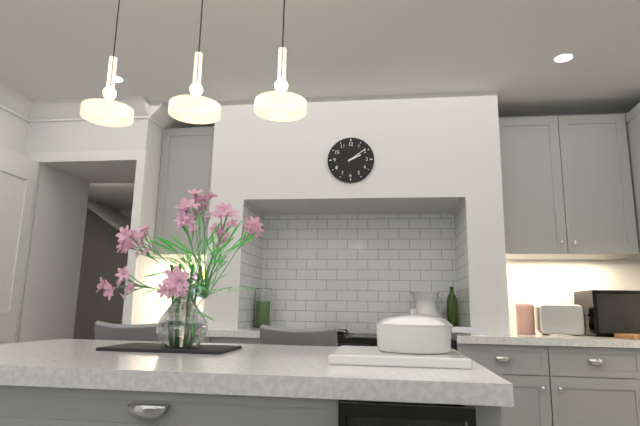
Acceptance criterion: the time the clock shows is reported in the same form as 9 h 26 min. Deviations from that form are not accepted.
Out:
2 h 09 min
